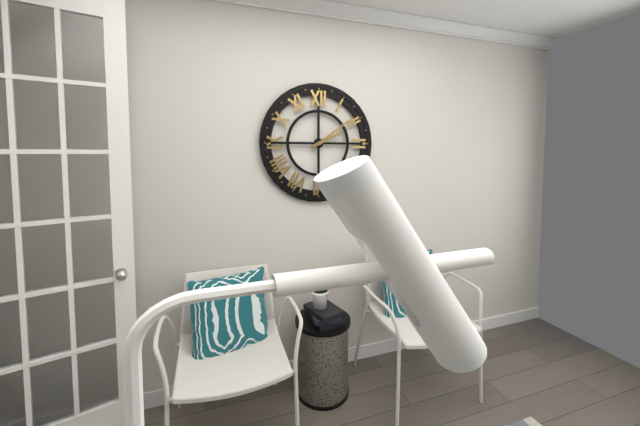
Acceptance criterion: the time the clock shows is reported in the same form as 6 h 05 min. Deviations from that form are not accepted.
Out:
2 h 09 min
